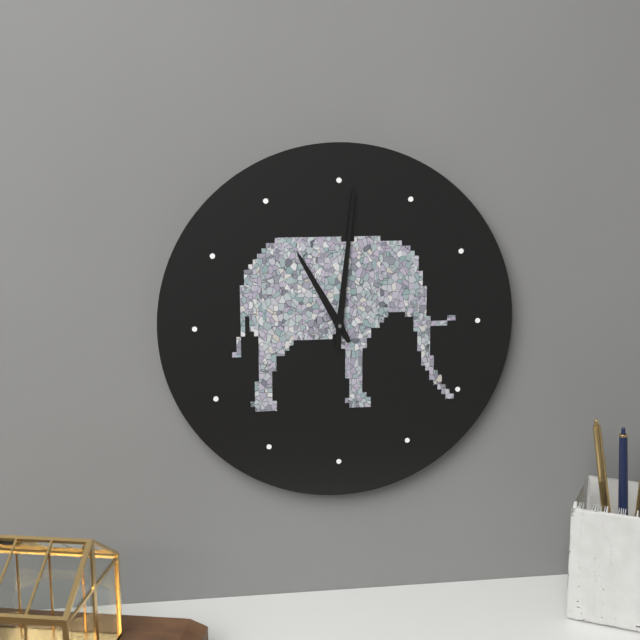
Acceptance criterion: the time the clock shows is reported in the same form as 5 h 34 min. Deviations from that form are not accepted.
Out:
11 h 01 min
